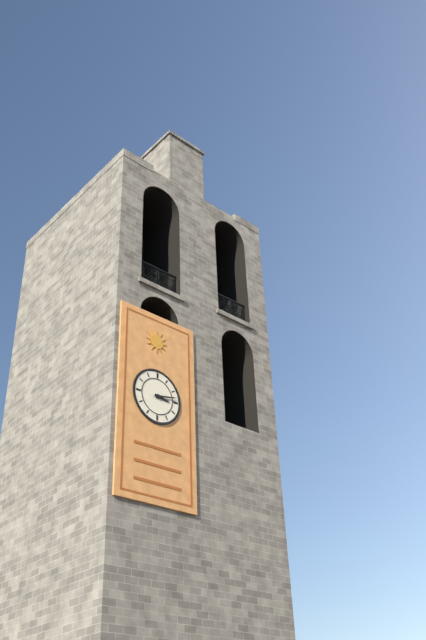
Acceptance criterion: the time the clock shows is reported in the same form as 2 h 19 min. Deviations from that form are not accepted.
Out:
3 h 13 min
